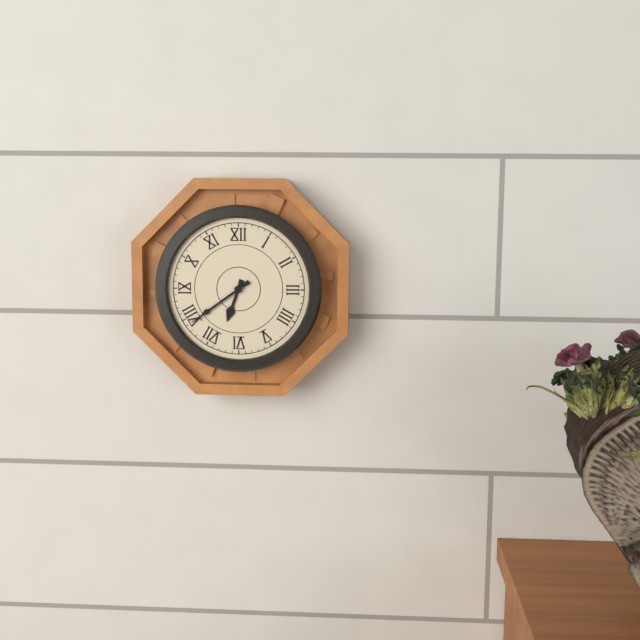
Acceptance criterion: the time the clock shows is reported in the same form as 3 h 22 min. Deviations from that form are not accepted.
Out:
6 h 39 min
